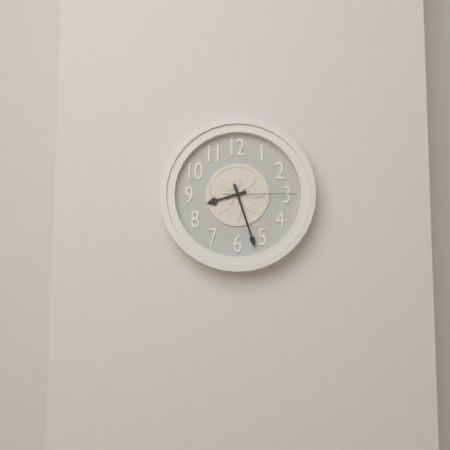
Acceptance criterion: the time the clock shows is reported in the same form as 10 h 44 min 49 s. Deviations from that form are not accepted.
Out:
8 h 27 min 15 s
